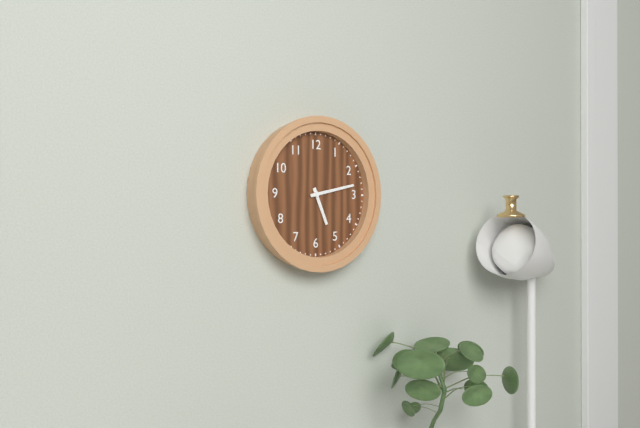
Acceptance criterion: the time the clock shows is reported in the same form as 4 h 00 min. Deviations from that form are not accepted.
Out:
5 h 13 min
